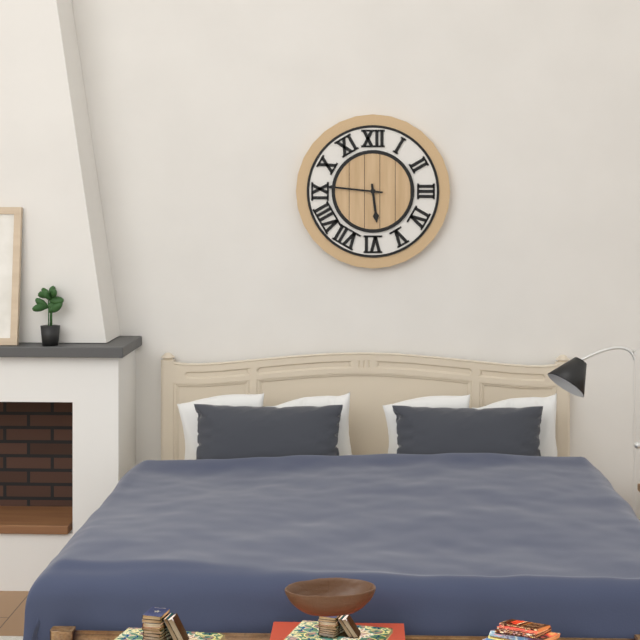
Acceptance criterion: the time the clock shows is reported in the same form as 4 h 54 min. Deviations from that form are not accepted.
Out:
5 h 46 min
